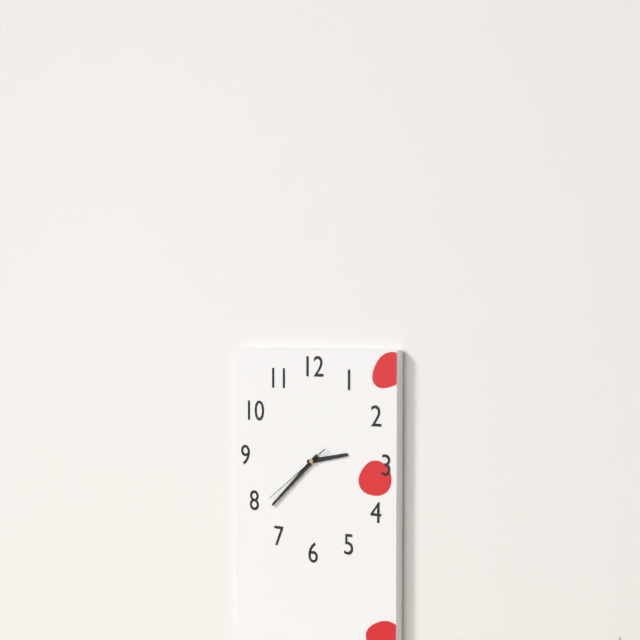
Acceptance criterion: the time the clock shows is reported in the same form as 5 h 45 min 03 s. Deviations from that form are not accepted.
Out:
2 h 38 min 39 s
